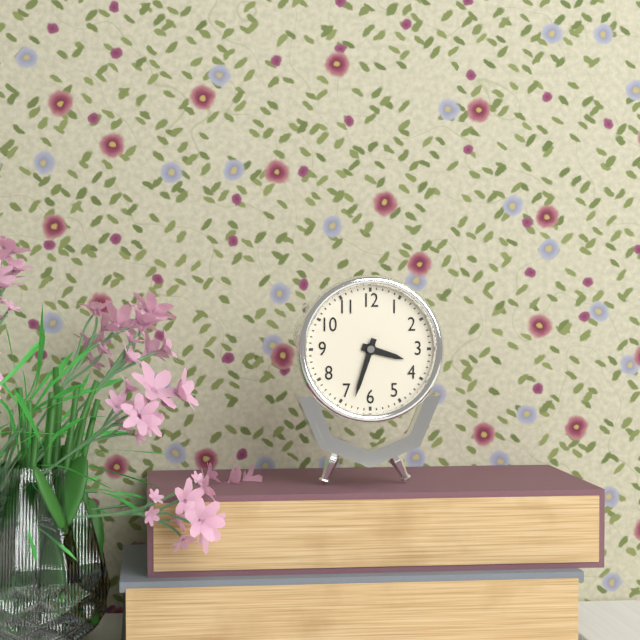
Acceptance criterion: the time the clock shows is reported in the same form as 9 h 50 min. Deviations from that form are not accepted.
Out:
3 h 33 min
